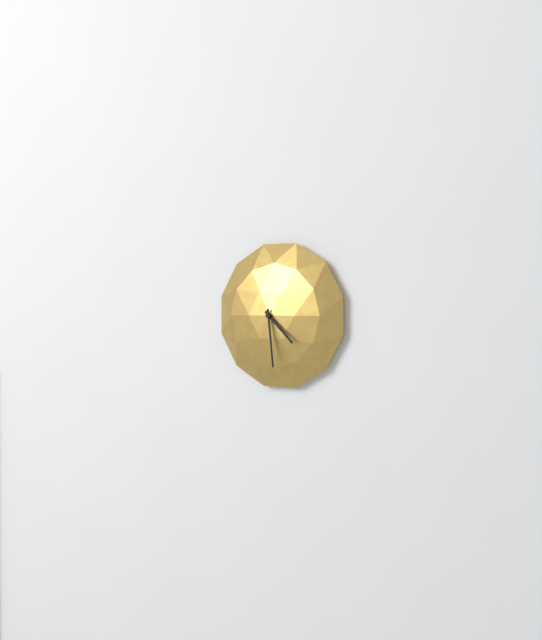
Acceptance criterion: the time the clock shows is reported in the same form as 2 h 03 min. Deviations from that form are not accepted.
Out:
4 h 29 min
